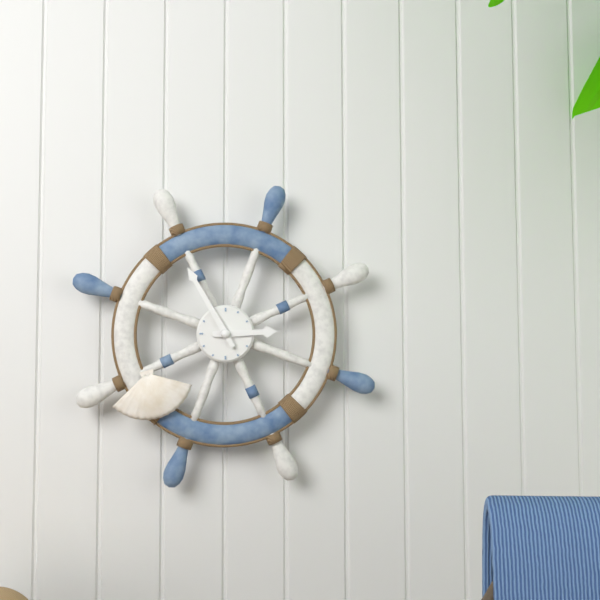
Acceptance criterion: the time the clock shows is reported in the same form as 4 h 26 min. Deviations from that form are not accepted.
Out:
2 h 55 min
